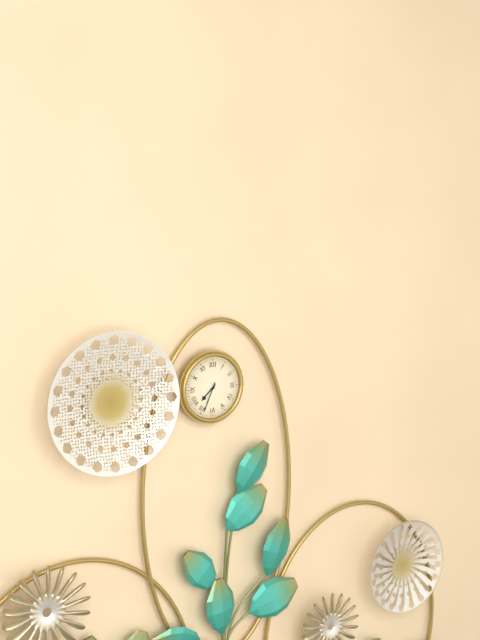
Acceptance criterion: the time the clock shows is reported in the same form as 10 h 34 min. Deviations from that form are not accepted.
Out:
7 h 34 min
